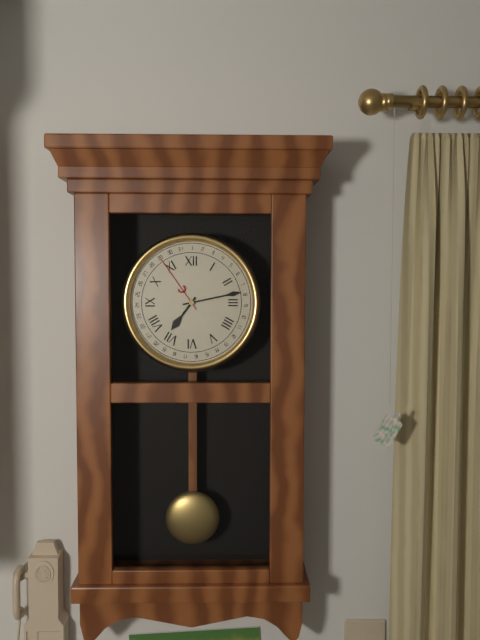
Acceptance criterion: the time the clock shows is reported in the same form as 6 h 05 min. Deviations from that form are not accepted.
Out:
7 h 13 min
